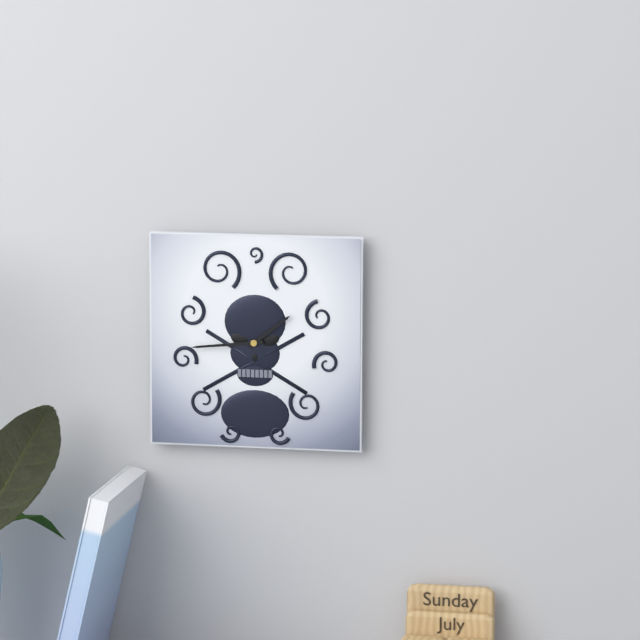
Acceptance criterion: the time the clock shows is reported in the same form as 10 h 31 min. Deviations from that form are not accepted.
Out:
1 h 44 min
